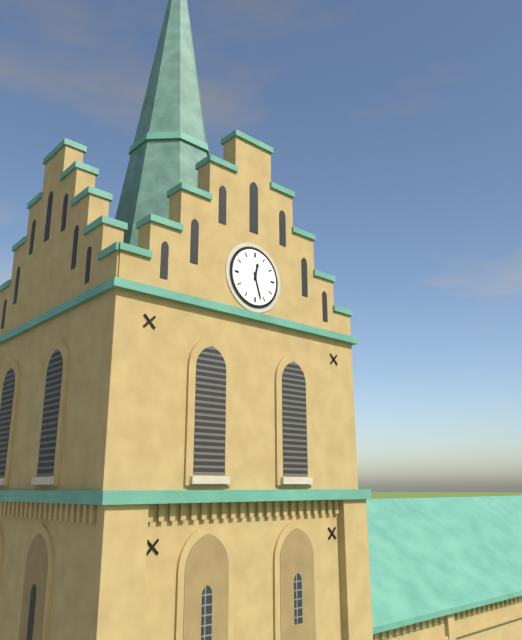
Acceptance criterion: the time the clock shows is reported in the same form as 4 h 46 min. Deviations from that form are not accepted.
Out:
12 h 27 min
